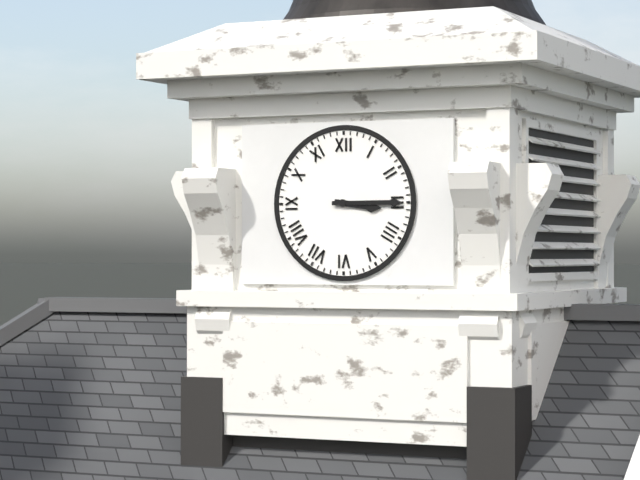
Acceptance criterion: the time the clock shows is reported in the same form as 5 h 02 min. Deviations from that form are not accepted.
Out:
3 h 15 min
